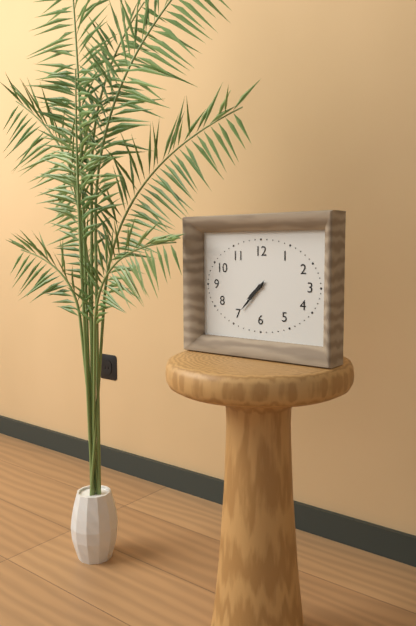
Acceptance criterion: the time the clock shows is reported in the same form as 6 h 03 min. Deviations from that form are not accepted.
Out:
7 h 37 min
